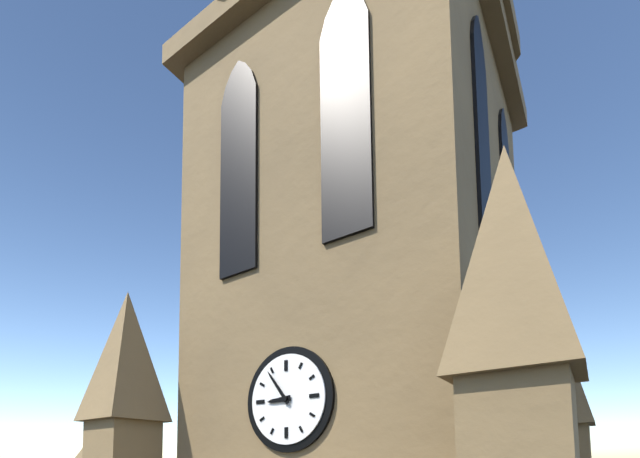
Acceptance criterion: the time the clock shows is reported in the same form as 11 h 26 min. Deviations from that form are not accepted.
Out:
8 h 54 min
